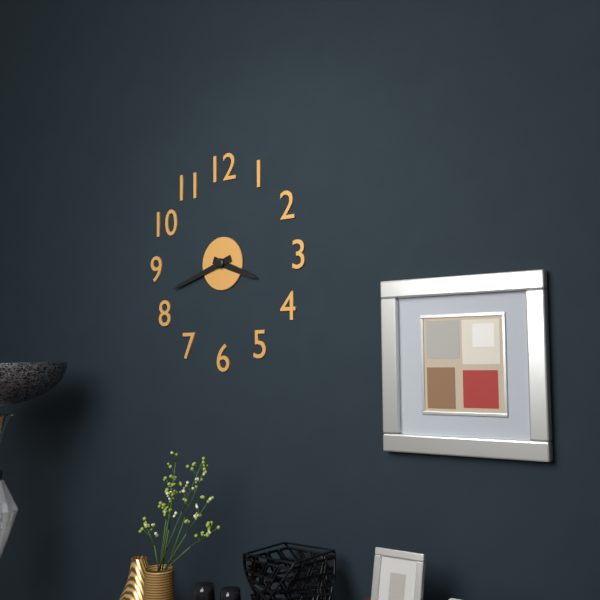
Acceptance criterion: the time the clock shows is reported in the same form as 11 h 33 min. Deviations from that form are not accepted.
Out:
3 h 42 min
